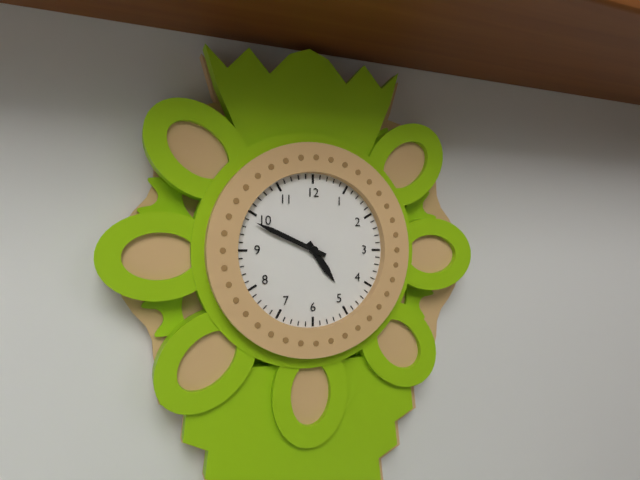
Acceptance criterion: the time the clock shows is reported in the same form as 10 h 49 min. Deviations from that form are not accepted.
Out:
4 h 49 min
